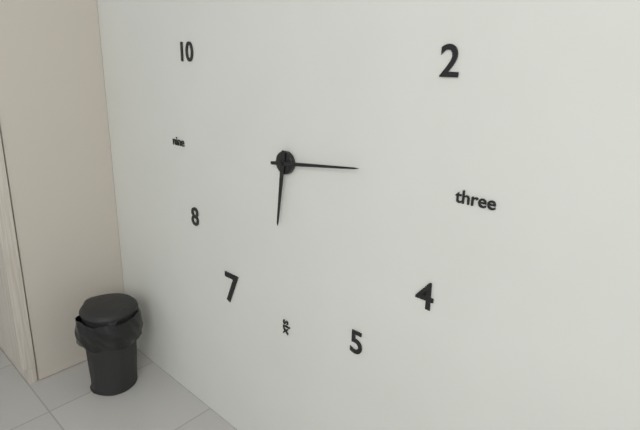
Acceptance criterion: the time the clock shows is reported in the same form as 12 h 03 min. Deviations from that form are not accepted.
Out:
6 h 14 min
